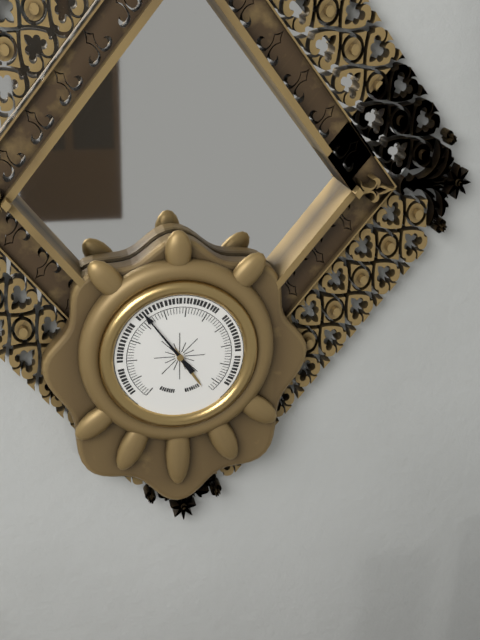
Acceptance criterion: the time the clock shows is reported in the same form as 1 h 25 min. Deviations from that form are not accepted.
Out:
4 h 54 min
